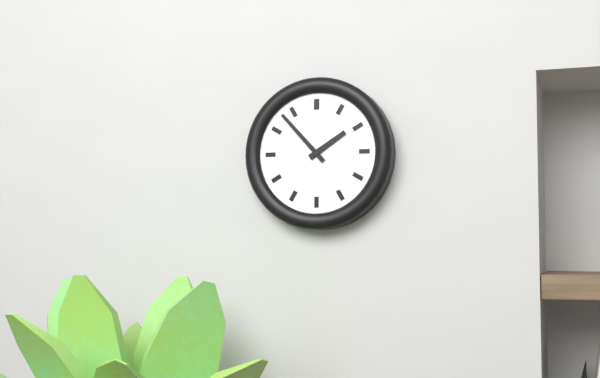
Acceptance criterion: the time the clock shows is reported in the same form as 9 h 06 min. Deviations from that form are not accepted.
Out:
1 h 53 min
